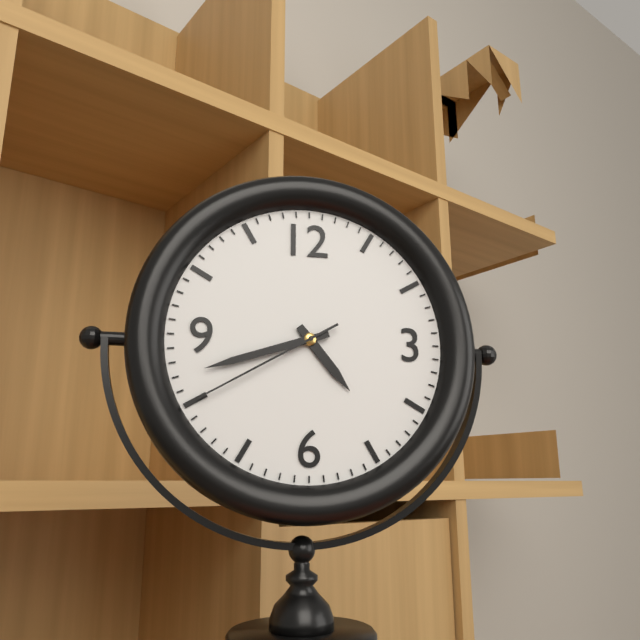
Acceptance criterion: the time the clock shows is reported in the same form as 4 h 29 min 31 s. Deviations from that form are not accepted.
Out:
4 h 42 min 40 s
